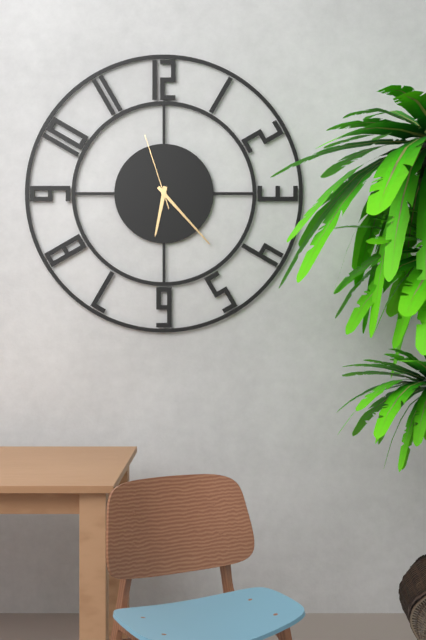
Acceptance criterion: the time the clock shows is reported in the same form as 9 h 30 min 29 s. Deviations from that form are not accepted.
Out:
6 h 23 min 57 s
